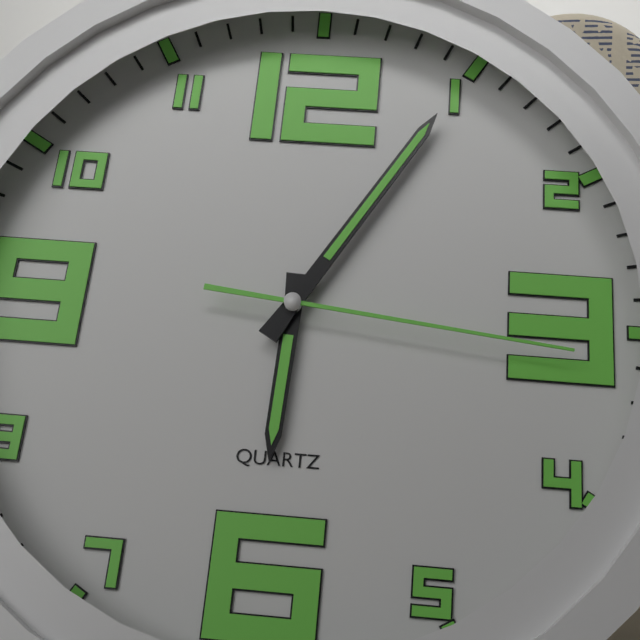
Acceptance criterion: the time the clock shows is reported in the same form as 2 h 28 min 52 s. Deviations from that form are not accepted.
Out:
6 h 05 min 16 s
